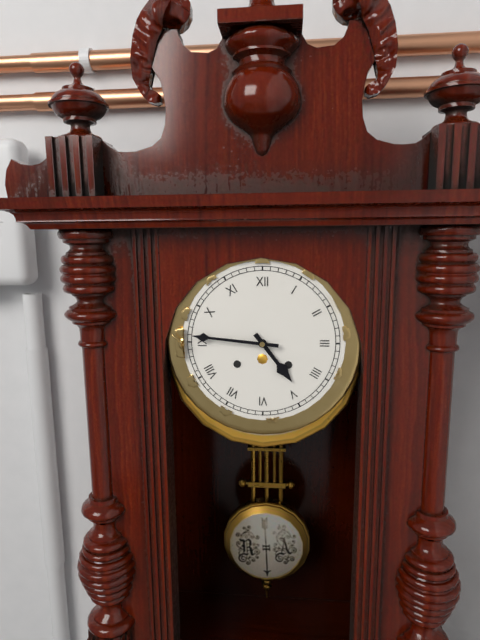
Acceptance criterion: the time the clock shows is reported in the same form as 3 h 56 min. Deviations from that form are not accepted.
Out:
4 h 46 min
